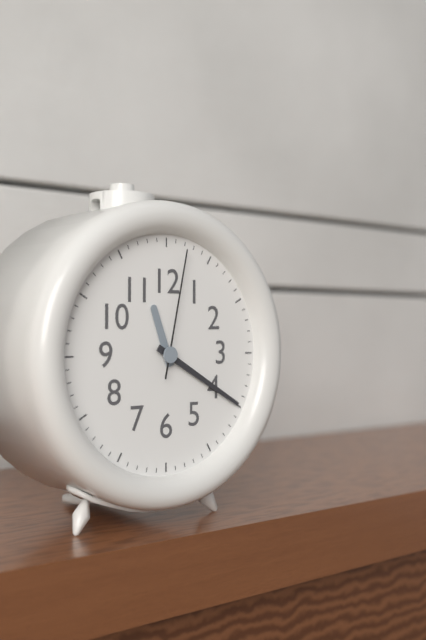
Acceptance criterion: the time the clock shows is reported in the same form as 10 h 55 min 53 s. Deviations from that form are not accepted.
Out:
11 h 20 min 02 s
